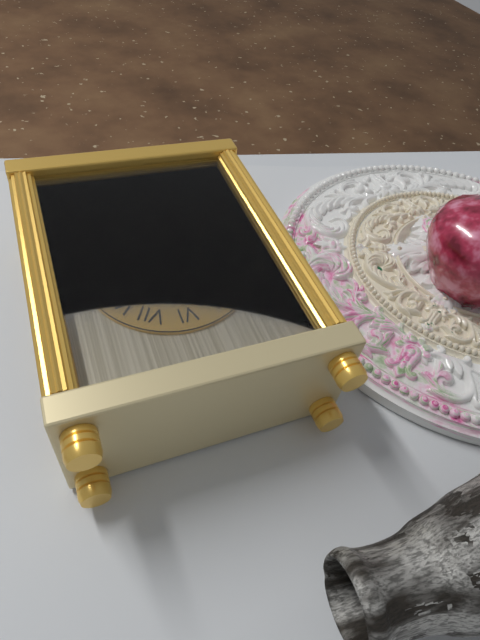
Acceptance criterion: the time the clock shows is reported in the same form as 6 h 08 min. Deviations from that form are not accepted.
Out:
10 h 04 min
